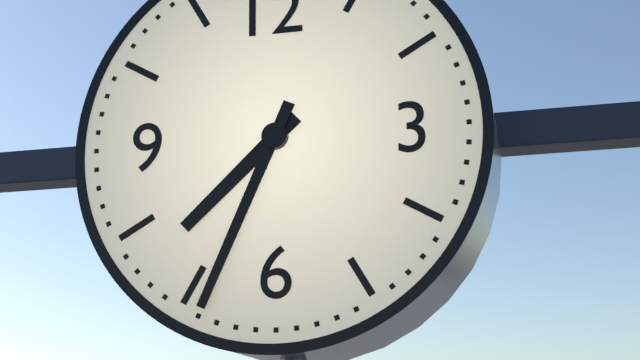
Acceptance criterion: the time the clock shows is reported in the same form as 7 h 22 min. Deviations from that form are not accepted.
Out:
7 h 34 min
